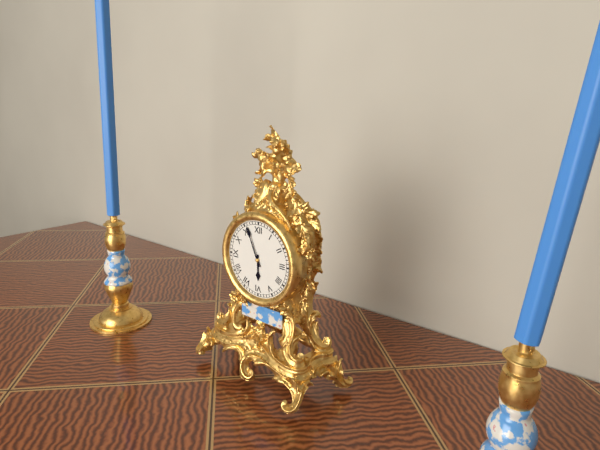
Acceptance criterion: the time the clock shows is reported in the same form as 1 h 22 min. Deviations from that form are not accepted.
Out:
5 h 56 min
